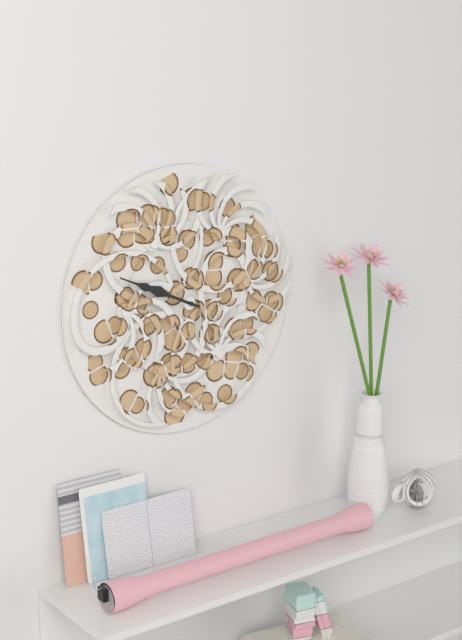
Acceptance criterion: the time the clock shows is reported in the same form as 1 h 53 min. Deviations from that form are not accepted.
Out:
9 h 49 min
